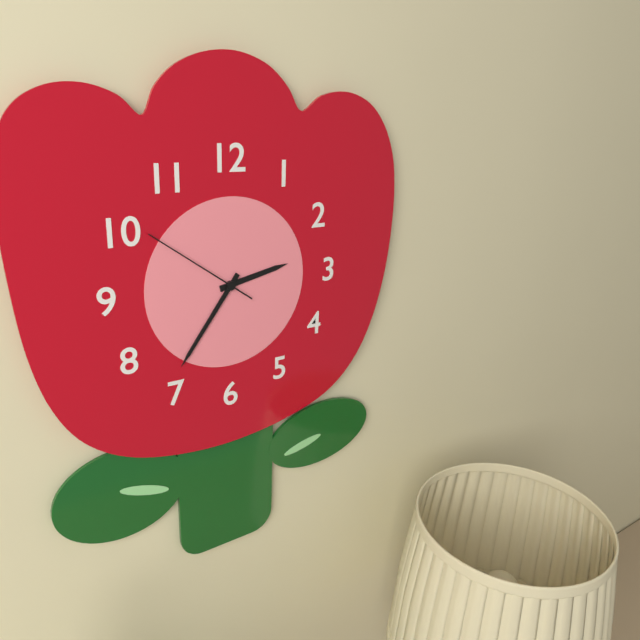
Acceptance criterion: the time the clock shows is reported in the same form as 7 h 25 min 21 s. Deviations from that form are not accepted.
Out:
2 h 36 min 51 s
